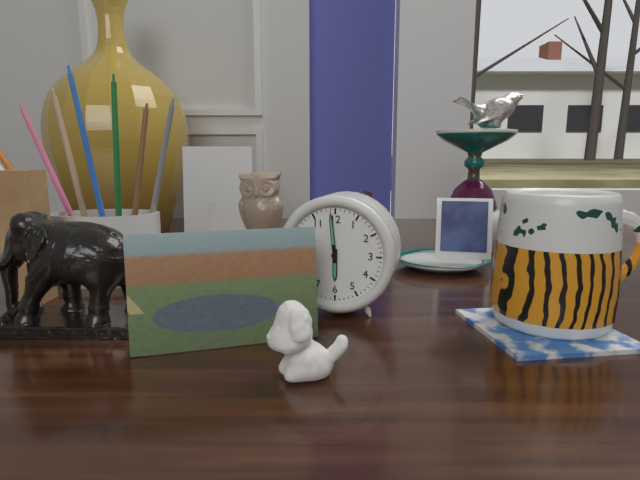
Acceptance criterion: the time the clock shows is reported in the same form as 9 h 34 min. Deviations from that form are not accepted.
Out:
5 h 59 min
